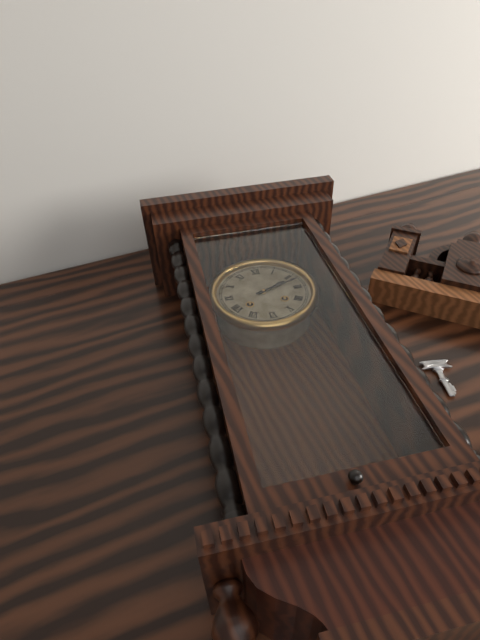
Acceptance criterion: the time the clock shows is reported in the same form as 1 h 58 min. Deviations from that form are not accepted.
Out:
2 h 12 min
